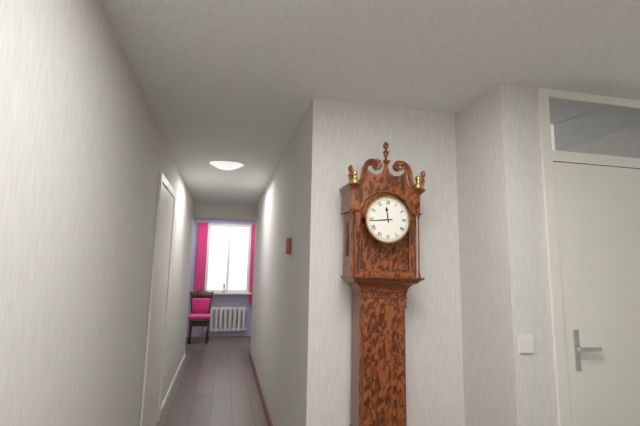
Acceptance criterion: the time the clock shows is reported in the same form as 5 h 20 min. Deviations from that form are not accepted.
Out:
11 h 44 min
